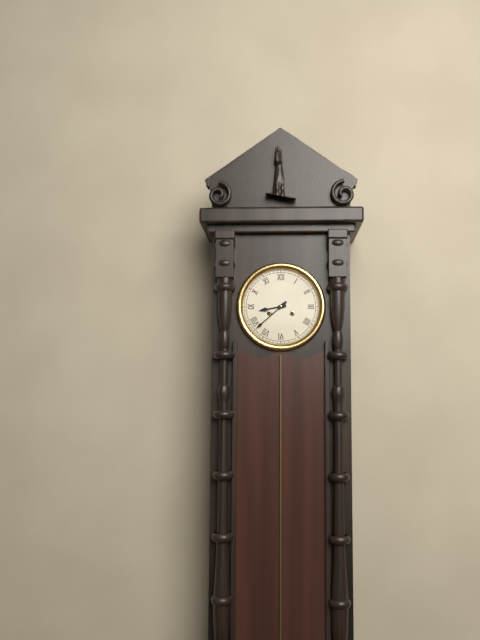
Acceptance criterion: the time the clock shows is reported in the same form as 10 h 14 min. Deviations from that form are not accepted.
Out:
8 h 38 min
